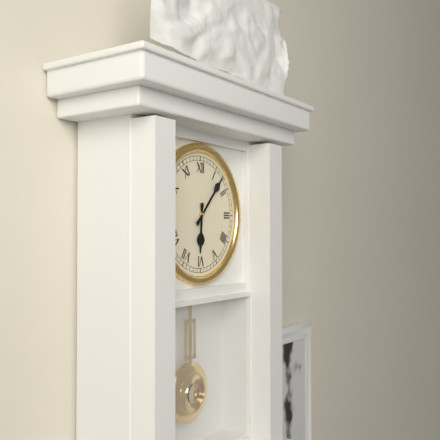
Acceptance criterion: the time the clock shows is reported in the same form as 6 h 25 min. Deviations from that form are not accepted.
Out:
6 h 07 min
